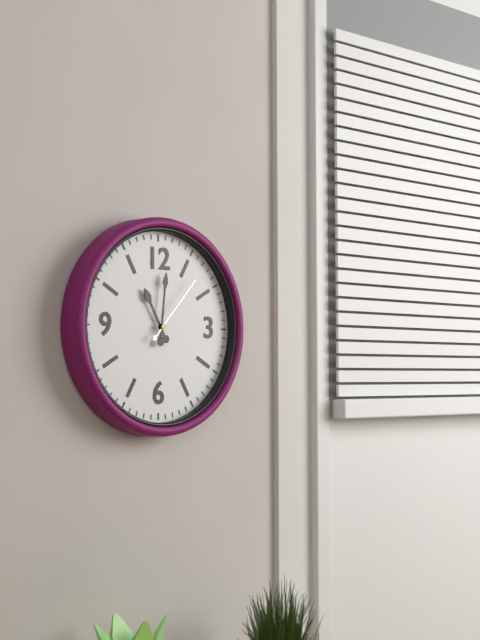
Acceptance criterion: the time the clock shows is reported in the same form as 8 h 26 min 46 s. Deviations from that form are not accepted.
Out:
11 h 01 min 07 s
